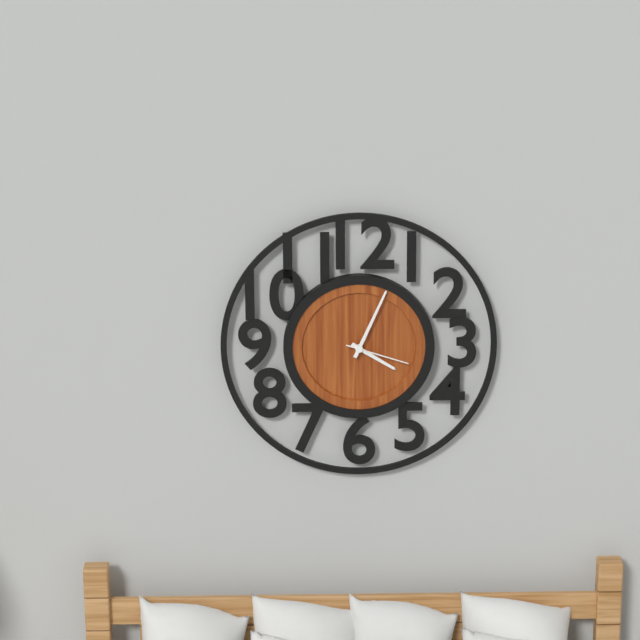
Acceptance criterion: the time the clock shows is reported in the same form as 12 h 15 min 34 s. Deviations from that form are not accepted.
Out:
4 h 04 min 18 s
